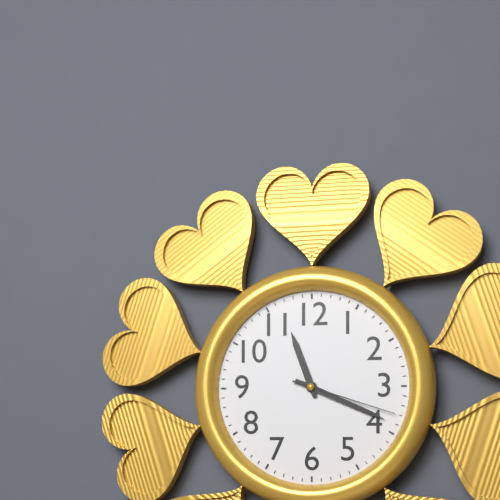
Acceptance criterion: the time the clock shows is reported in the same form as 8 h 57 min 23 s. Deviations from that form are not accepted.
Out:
11 h 19 min 18 s
